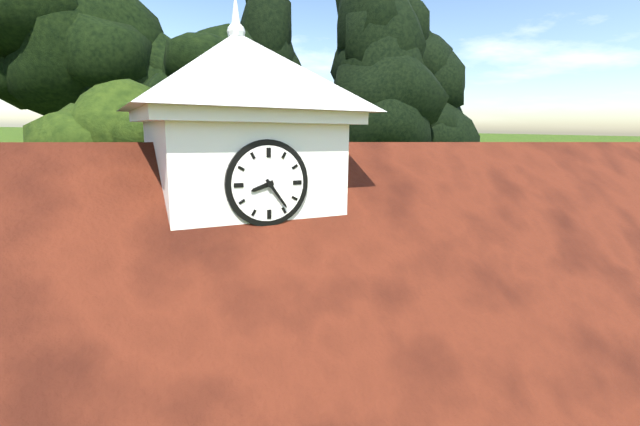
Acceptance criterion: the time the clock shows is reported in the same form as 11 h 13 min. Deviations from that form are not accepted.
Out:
8 h 24 min
